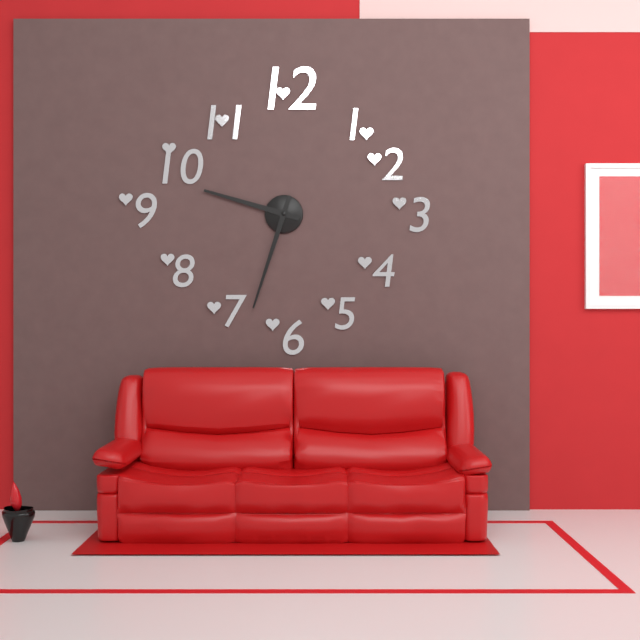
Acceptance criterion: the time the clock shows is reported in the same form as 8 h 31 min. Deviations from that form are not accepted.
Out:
9 h 33 min
